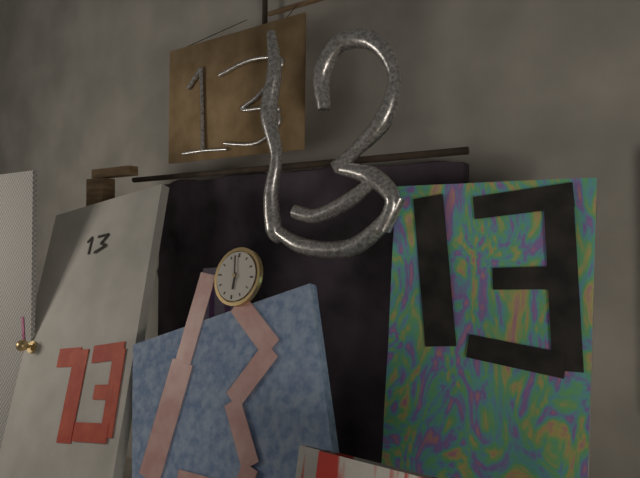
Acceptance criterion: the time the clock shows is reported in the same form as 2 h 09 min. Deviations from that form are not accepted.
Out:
5 h 58 min
